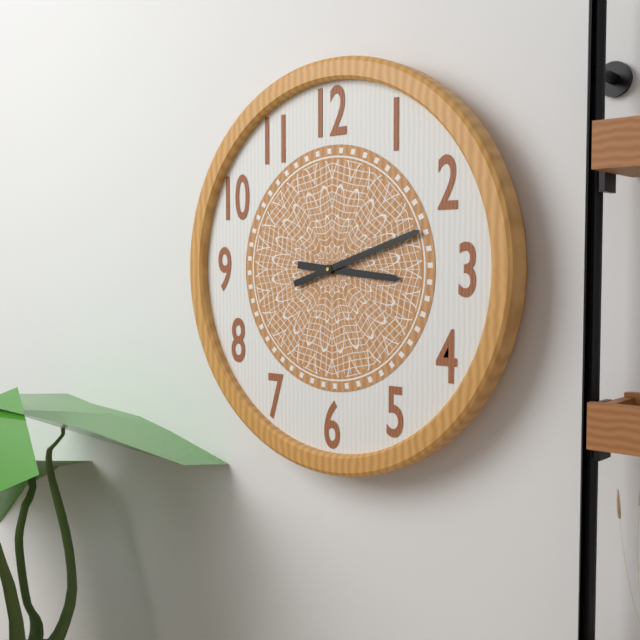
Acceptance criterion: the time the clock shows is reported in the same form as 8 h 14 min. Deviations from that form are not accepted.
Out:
3 h 12 min
